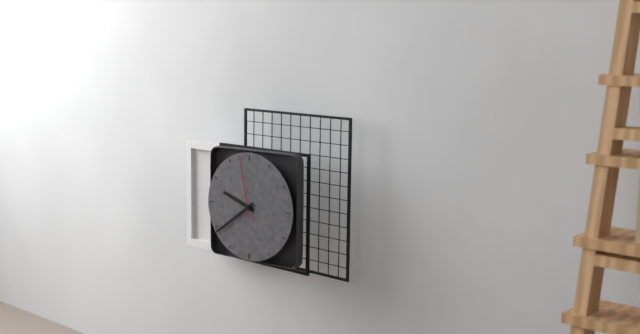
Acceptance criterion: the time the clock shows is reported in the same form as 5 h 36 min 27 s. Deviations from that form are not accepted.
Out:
9 h 39 min 58 s
